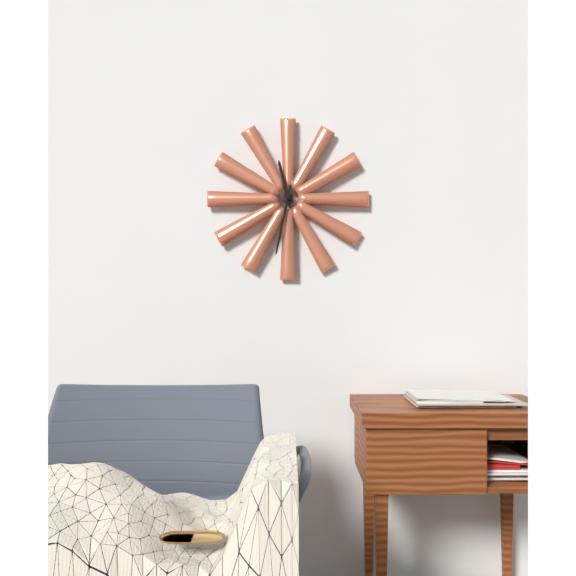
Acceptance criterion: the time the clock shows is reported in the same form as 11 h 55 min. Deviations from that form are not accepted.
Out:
11 h 32 min
